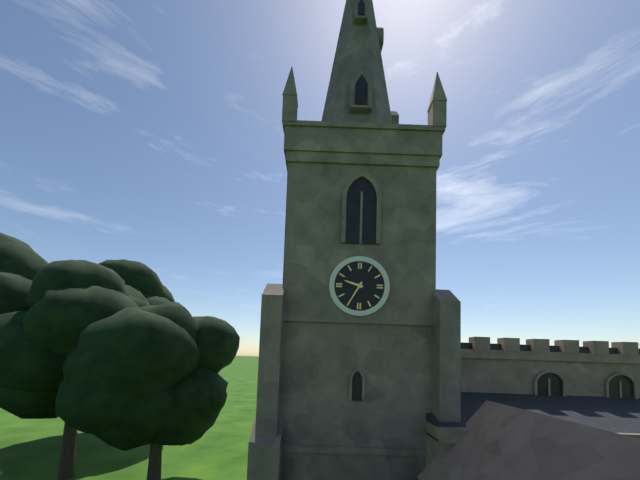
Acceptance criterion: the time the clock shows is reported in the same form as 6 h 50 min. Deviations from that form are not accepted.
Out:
9 h 35 min
